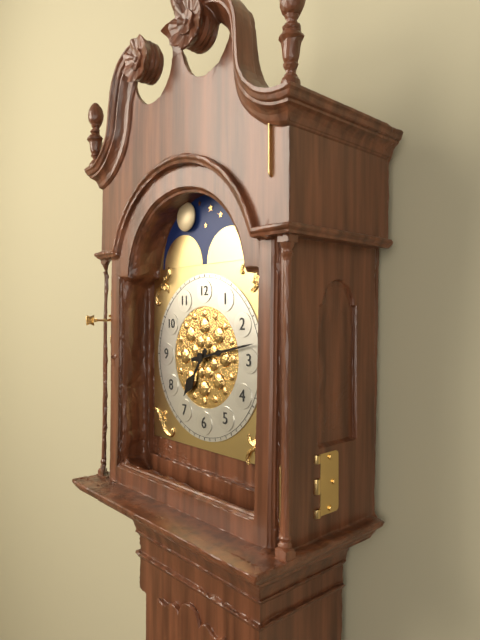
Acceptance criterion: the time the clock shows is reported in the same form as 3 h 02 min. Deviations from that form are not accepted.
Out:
7 h 13 min
